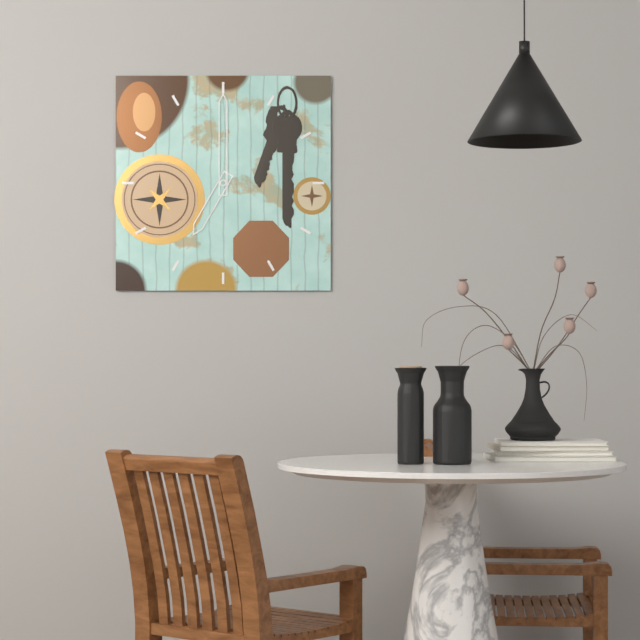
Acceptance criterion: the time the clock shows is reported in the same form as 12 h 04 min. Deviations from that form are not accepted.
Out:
7 h 00 min
